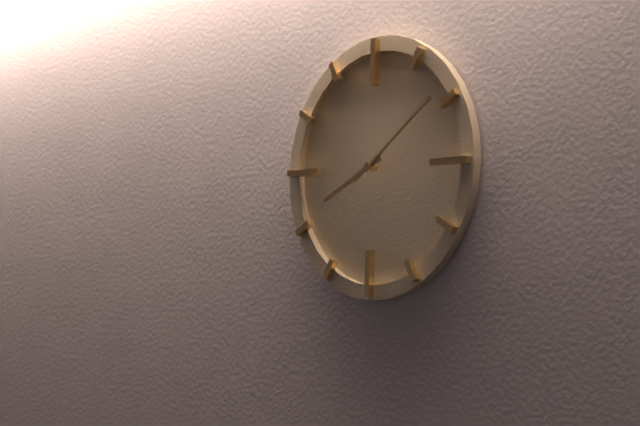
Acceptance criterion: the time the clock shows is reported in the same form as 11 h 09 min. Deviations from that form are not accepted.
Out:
8 h 09 min
